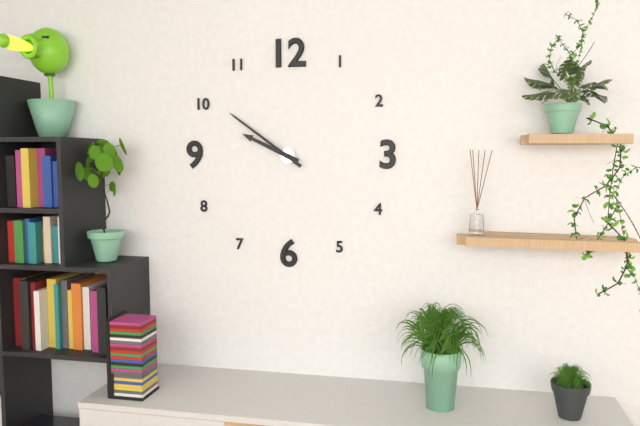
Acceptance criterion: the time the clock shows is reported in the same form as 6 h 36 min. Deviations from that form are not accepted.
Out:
9 h 51 min
